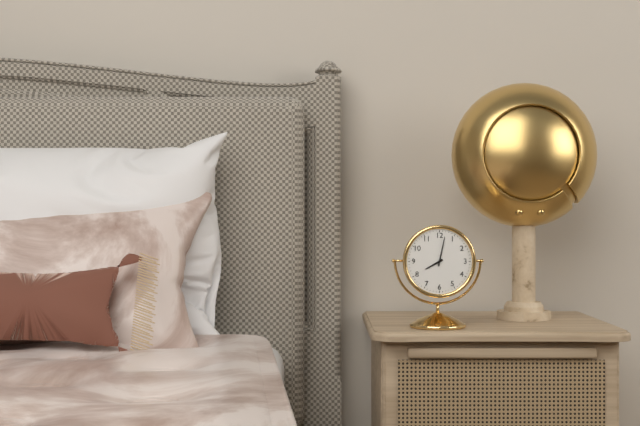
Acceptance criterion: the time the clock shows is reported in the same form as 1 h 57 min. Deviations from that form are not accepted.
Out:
8 h 02 min
